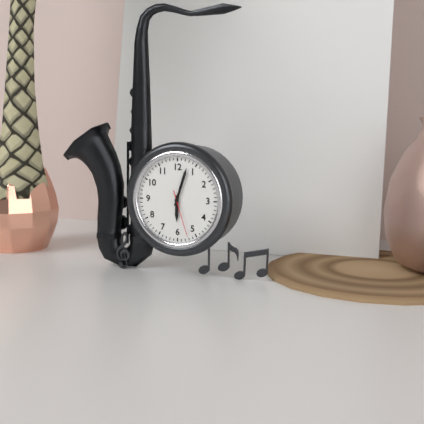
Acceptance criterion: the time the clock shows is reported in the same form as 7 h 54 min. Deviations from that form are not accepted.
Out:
6 h 03 min
